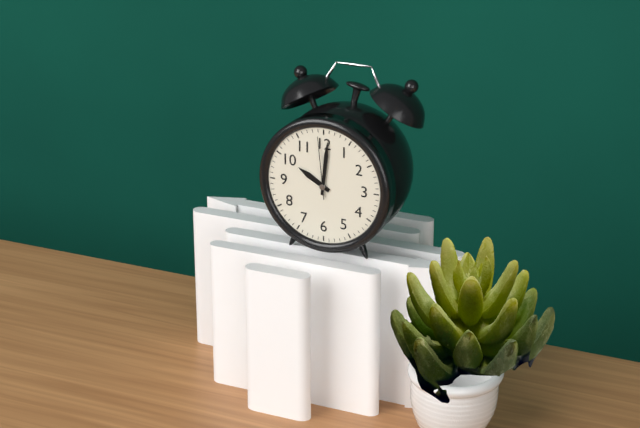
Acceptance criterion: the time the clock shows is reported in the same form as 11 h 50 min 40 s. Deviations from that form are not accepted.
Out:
10 h 01 min 59 s
